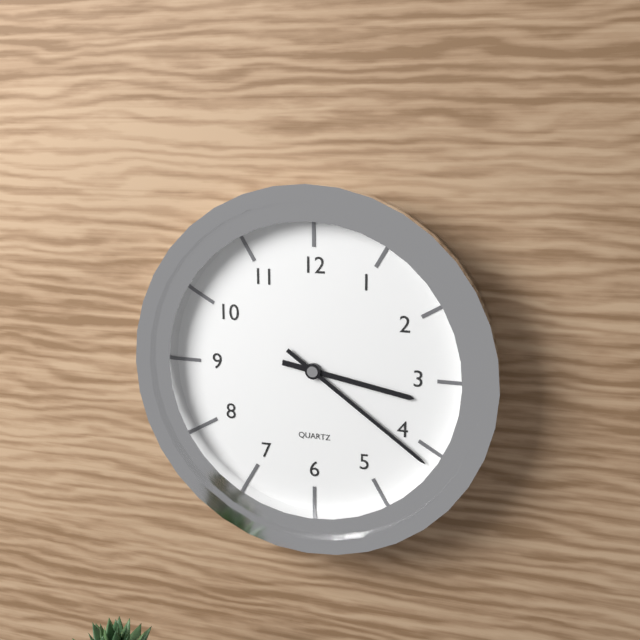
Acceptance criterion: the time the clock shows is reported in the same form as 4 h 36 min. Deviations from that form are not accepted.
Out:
3 h 21 min
